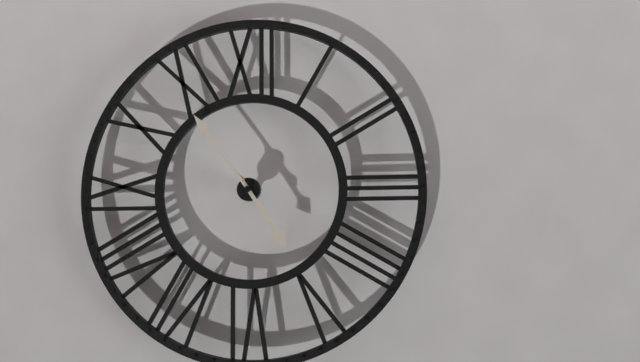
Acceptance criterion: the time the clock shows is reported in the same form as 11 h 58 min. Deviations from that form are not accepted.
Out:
4 h 54 min
